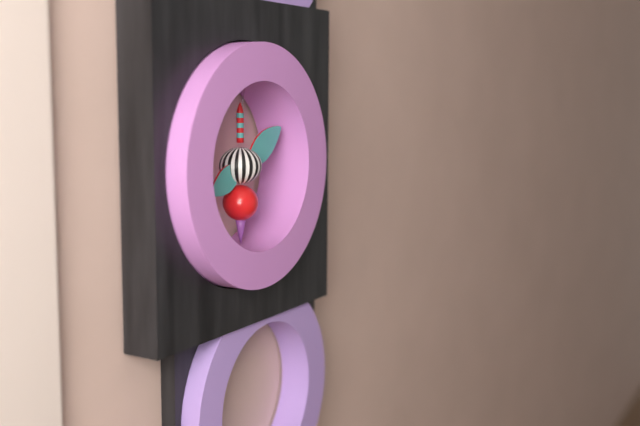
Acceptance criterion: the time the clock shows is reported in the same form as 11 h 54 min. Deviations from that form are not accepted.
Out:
8 h 10 min
